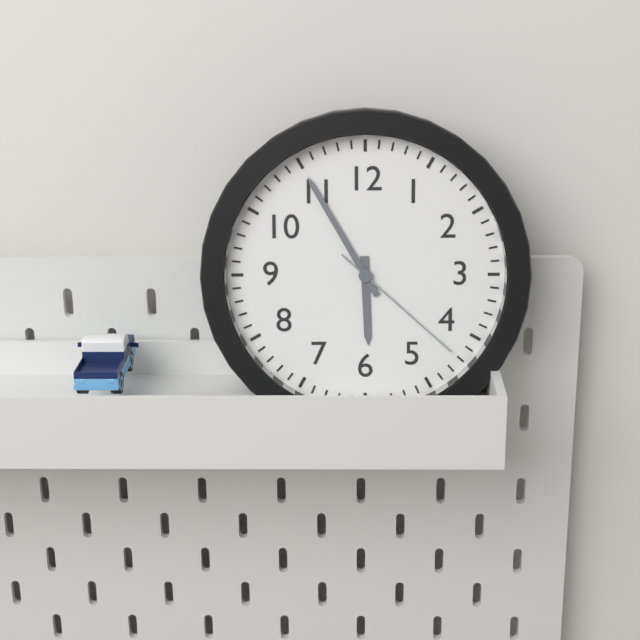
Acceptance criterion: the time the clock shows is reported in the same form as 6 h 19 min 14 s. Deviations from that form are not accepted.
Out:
5 h 55 min 22 s
